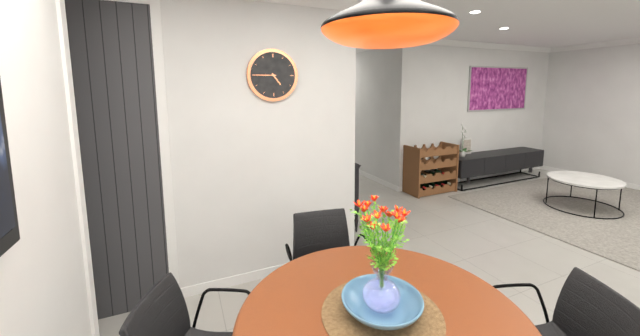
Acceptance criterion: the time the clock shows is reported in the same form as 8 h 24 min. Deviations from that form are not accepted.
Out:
4 h 45 min
